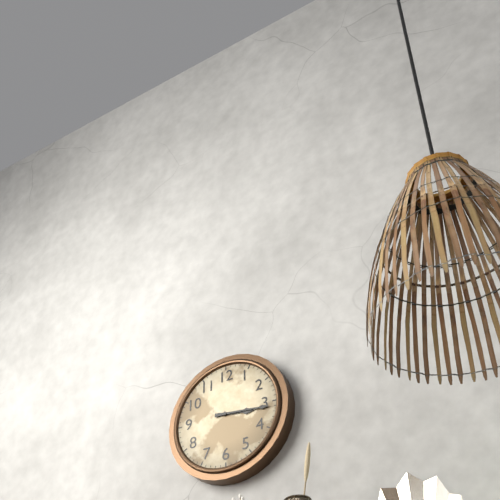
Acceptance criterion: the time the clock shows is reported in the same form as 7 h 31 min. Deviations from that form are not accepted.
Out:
3 h 16 min
